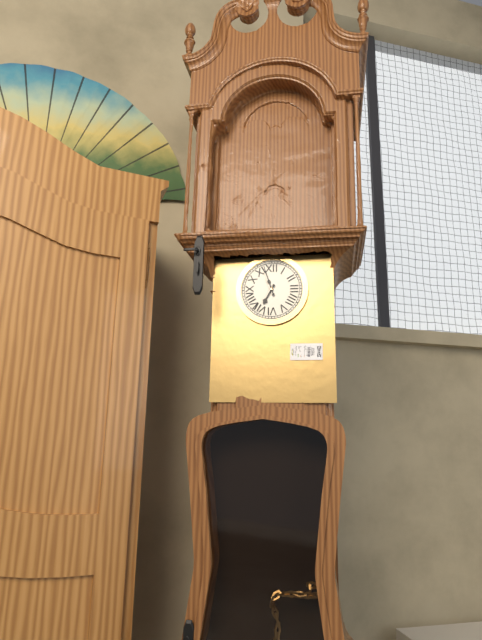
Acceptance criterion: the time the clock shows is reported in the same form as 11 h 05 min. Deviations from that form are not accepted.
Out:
6 h 57 min
